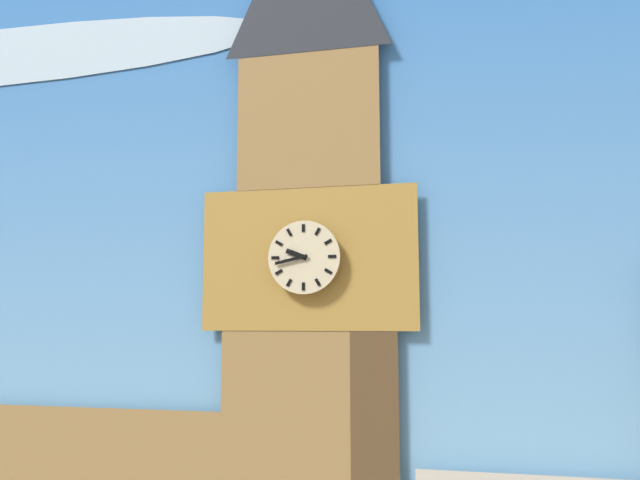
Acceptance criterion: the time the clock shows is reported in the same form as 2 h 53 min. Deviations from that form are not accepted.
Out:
9 h 43 min
